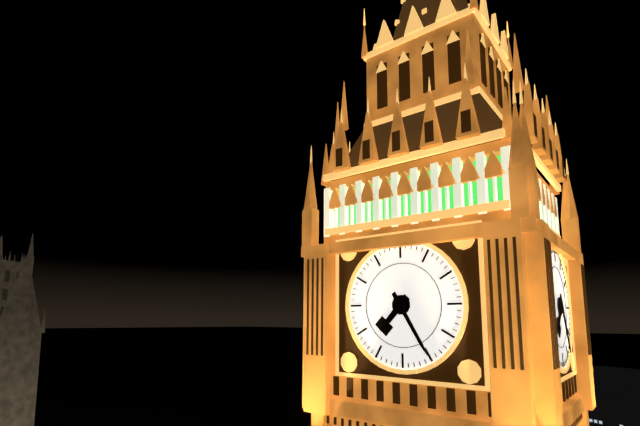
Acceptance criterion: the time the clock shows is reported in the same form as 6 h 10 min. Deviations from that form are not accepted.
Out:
7 h 25 min
